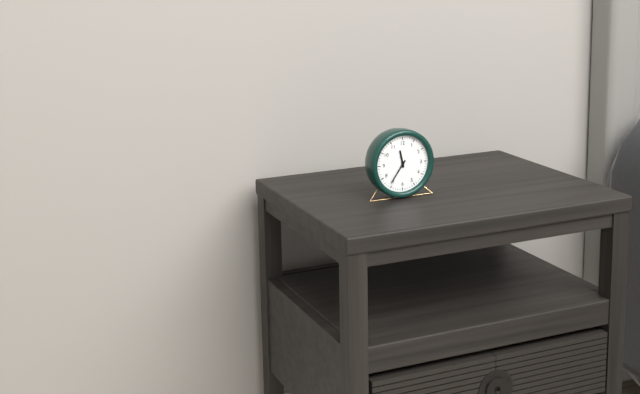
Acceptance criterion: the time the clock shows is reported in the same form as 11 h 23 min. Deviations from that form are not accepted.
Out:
11 h 36 min
